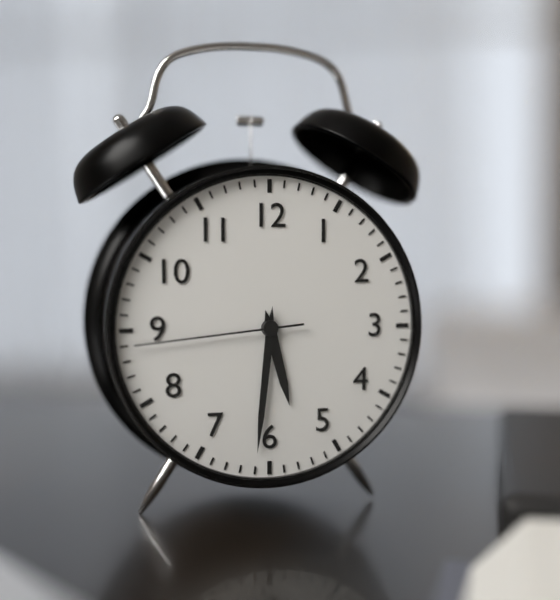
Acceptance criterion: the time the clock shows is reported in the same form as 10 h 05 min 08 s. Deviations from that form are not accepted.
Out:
5 h 31 min 44 s
